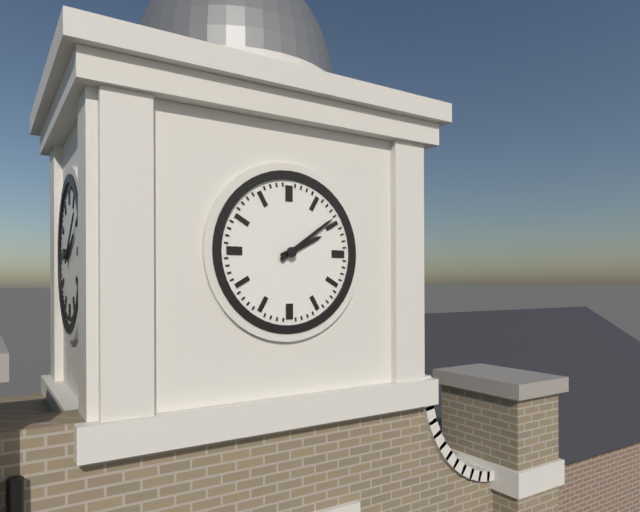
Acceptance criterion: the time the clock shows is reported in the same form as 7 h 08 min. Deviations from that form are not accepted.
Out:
2 h 09 min
